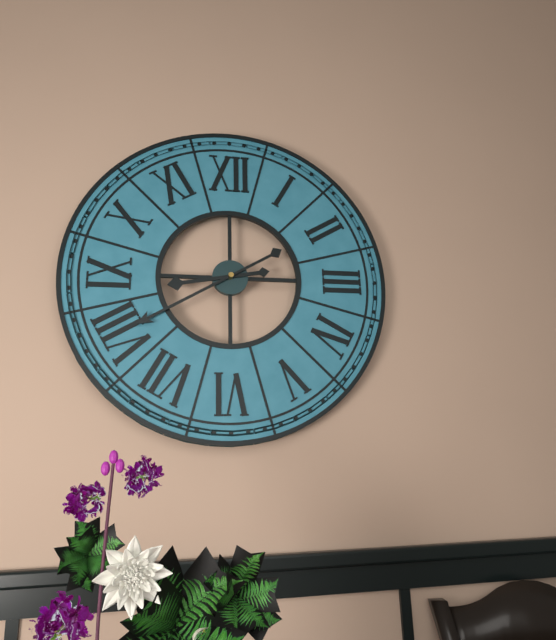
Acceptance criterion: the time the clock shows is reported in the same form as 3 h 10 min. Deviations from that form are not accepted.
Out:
8 h 40 min
